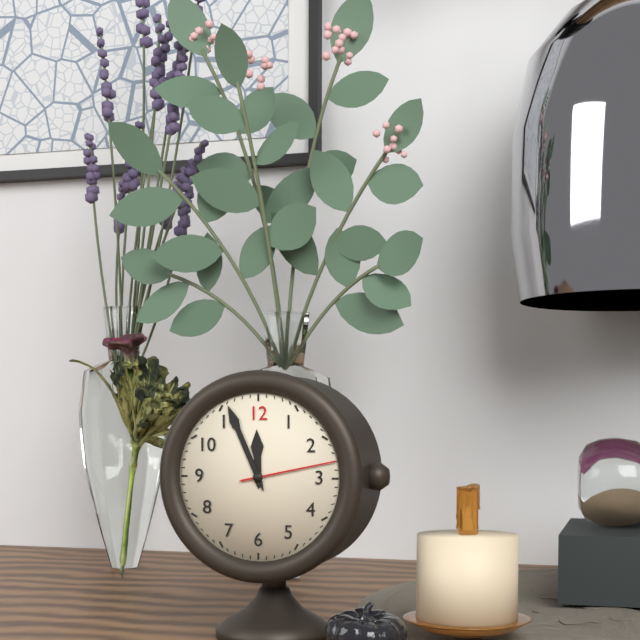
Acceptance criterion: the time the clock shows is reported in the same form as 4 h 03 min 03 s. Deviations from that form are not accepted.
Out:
11 h 56 min 13 s
